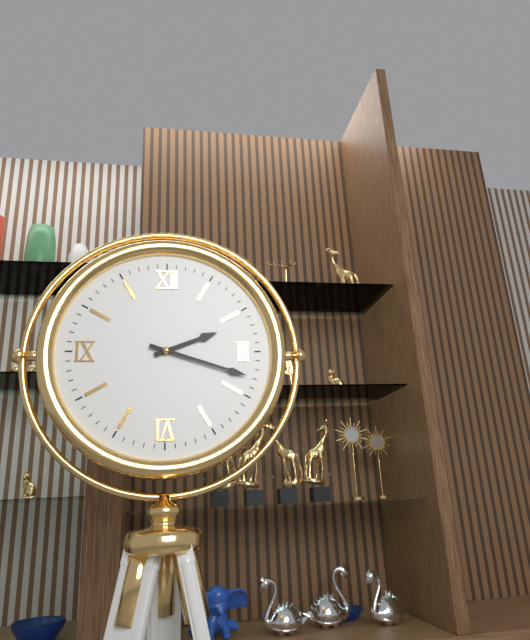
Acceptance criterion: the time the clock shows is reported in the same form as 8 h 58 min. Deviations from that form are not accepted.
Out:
2 h 18 min
